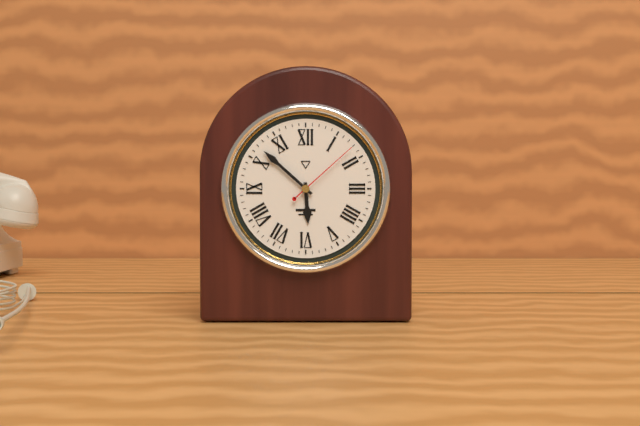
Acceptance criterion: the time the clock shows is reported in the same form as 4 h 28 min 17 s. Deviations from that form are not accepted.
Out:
5 h 52 min 08 s
